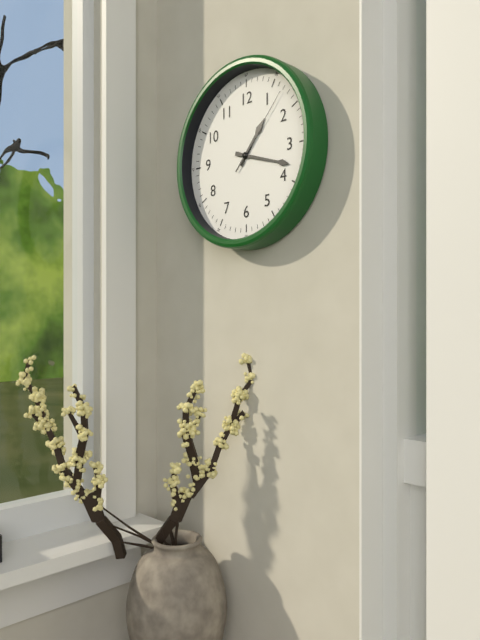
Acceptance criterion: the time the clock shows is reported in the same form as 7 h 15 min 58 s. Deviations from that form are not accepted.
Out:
1 h 18 min 07 s
